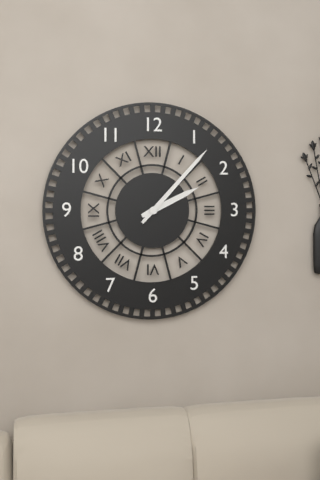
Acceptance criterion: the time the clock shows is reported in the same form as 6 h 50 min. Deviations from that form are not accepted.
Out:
2 h 07 min
